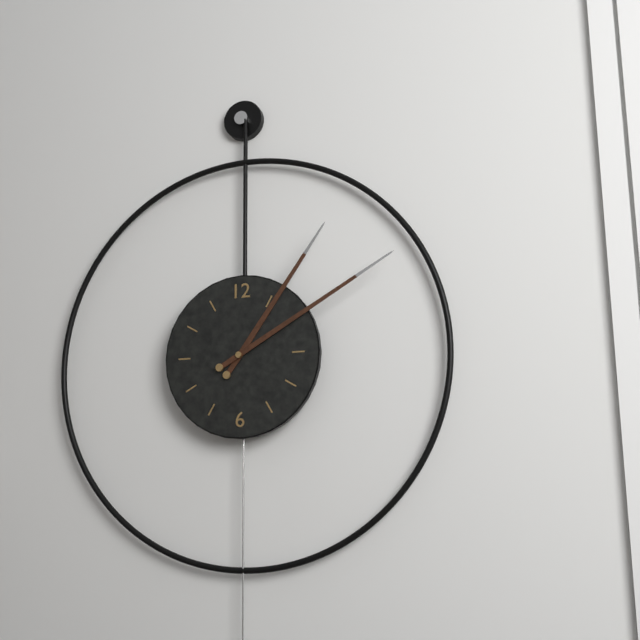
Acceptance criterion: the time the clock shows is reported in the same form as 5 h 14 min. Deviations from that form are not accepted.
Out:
1 h 10 min
